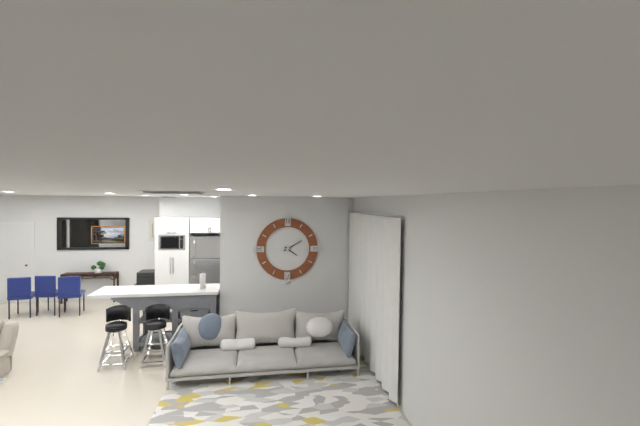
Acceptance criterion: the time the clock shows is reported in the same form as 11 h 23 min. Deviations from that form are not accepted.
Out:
4 h 10 min
